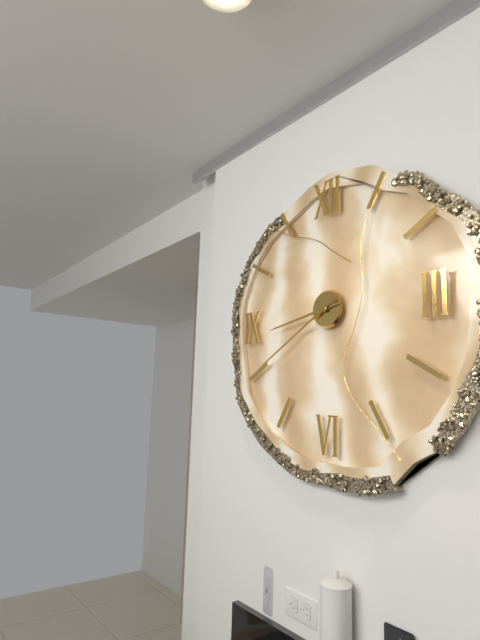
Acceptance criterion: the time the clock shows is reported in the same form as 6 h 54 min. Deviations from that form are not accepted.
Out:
8 h 40 min
